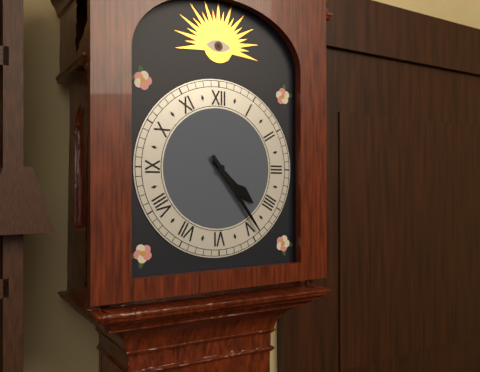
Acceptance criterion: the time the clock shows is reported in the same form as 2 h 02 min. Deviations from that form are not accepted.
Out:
4 h 24 min
